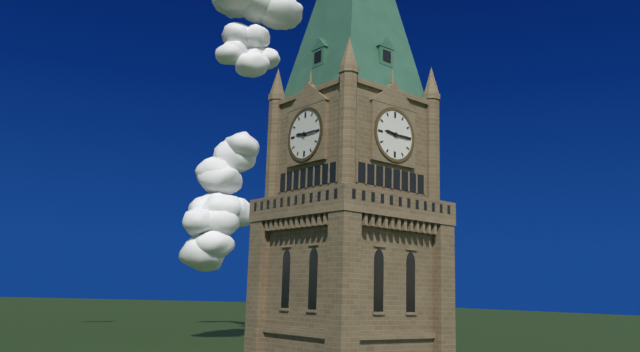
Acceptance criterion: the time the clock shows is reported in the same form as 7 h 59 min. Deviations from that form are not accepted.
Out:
9 h 15 min
